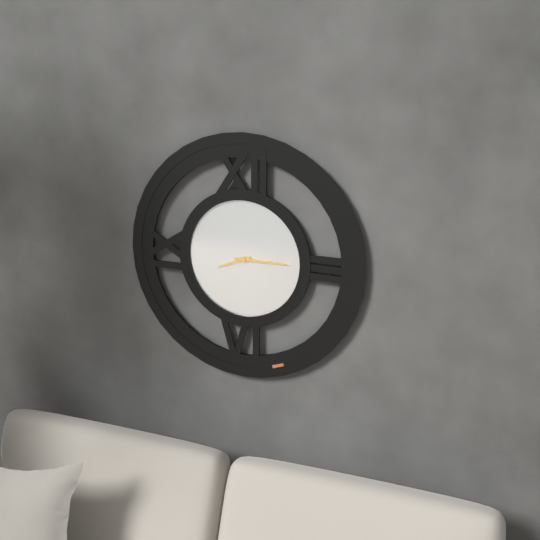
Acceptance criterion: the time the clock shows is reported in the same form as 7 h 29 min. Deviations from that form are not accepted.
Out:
8 h 15 min
